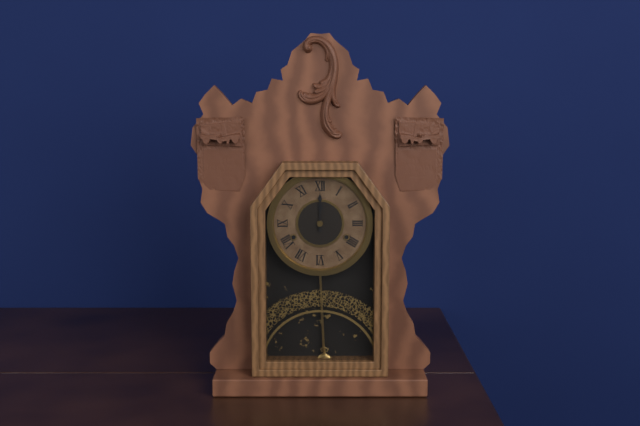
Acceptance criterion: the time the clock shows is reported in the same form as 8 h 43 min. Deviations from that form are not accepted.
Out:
12 h 00 min
